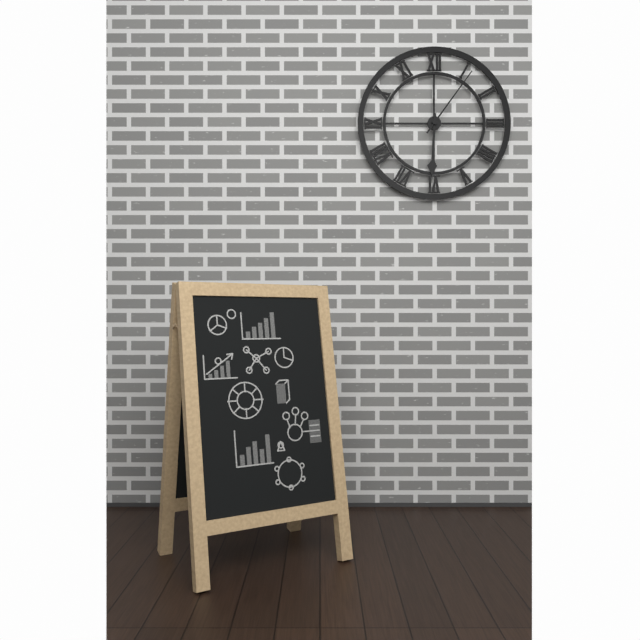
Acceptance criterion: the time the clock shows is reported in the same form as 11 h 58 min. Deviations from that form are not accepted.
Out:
6 h 06 min
